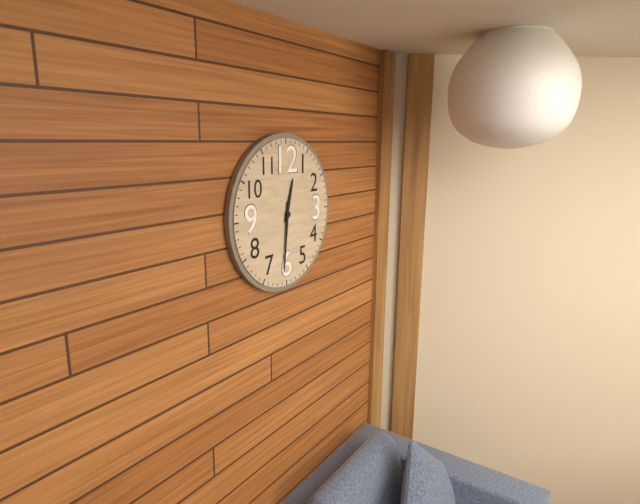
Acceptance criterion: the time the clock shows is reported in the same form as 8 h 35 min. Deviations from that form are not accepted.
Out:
12 h 31 min
